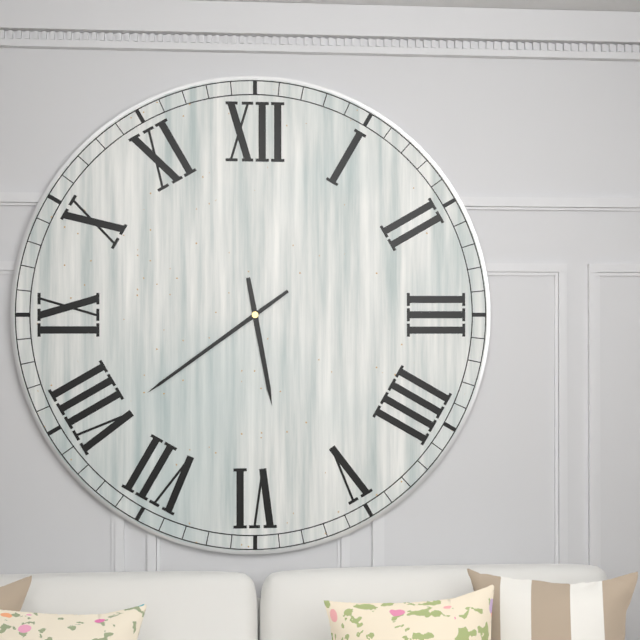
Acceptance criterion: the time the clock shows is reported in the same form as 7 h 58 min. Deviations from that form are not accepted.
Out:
5 h 39 min
